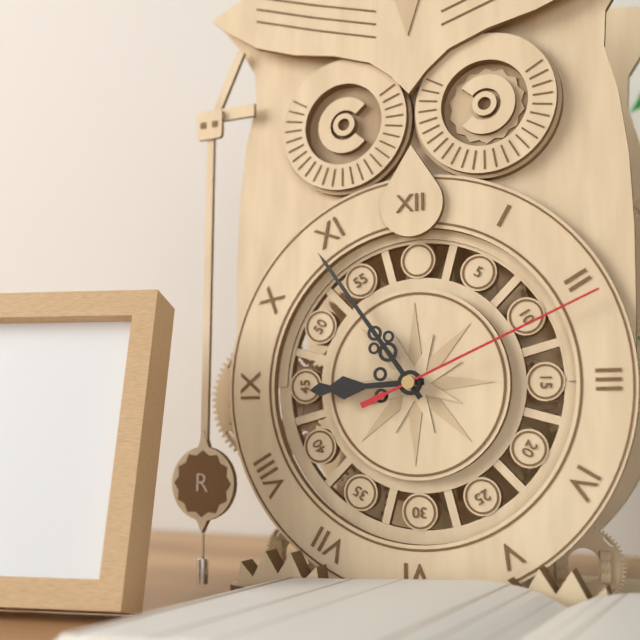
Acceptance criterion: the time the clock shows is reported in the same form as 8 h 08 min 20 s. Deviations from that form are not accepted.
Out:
8 h 54 min 11 s
